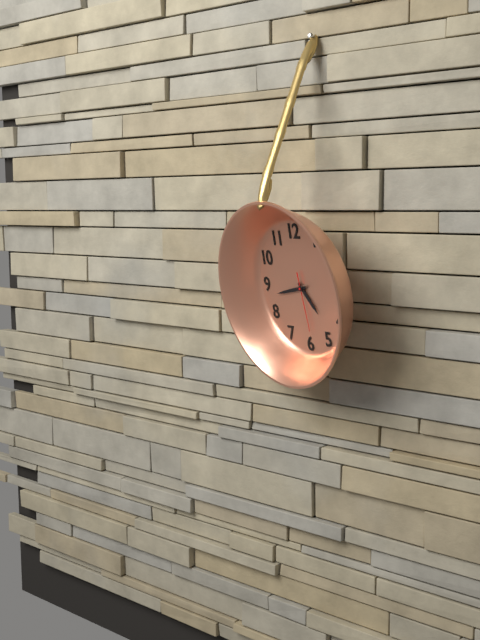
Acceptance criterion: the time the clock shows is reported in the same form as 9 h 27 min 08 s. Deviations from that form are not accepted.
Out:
4 h 43 min 29 s
